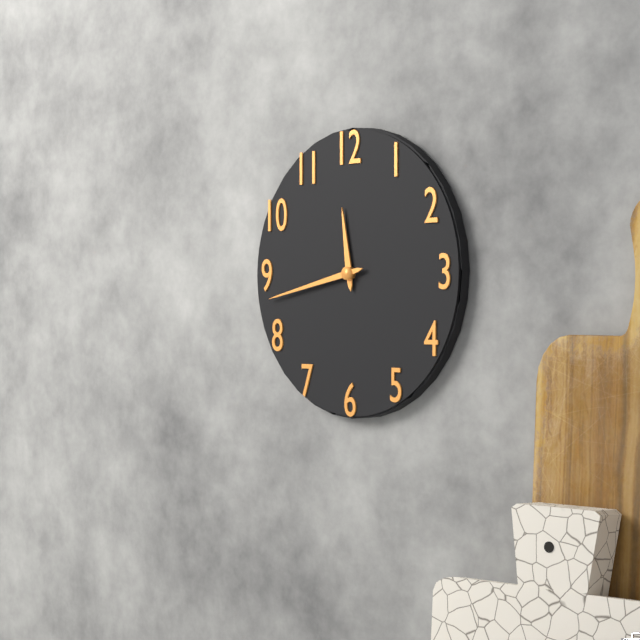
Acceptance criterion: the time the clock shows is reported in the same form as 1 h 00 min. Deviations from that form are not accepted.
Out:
11 h 43 min
